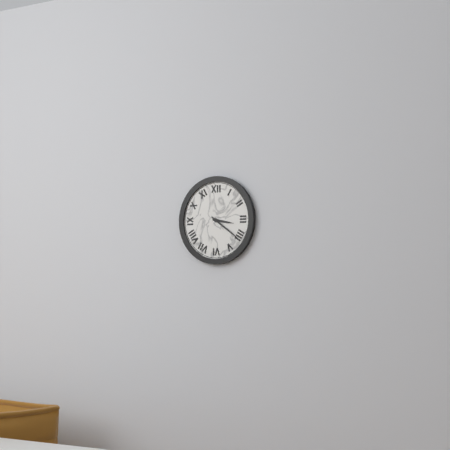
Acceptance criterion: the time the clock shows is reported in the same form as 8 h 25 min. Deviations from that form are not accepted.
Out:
3 h 21 min
